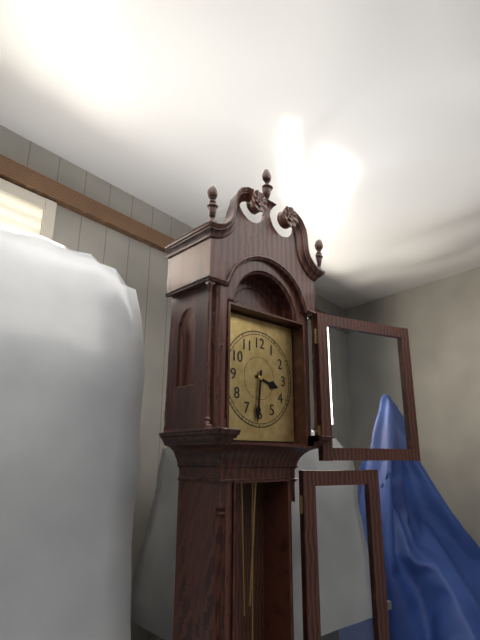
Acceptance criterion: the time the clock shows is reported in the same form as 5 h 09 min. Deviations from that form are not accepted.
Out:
3 h 31 min
